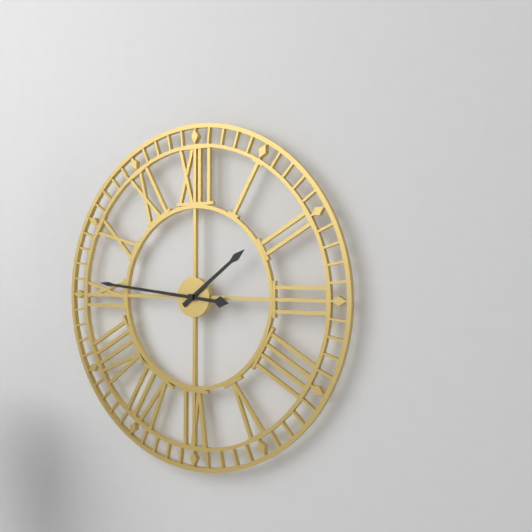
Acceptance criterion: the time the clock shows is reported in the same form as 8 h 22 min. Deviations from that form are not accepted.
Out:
1 h 46 min
